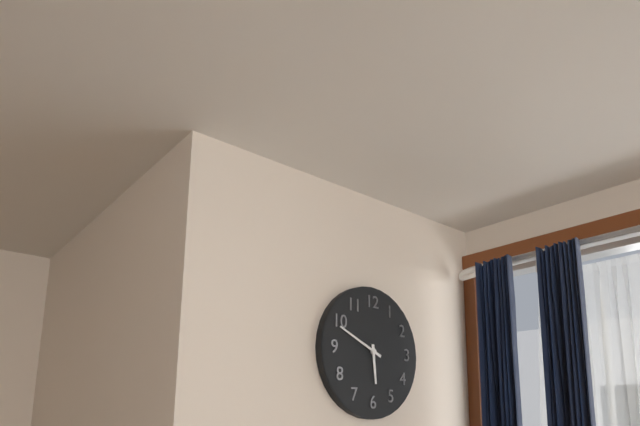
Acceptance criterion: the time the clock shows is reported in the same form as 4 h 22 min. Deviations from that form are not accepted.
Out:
5 h 49 min
